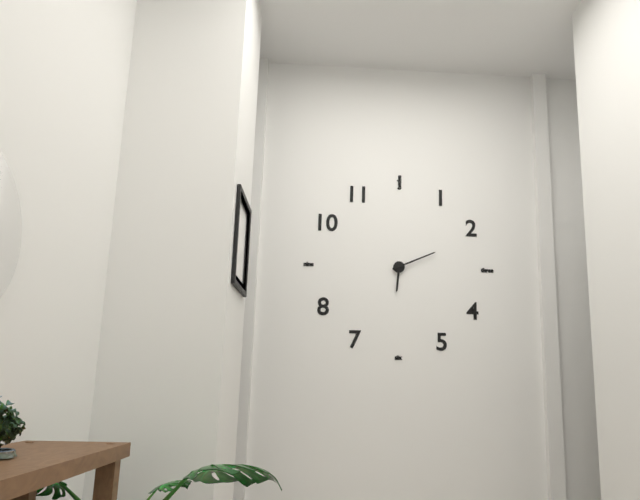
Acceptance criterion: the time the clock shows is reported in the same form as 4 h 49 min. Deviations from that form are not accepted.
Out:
6 h 11 min
